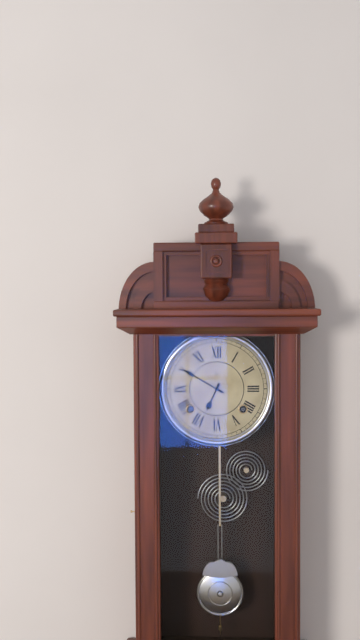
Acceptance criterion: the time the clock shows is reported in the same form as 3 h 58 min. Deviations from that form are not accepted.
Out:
6 h 50 min
